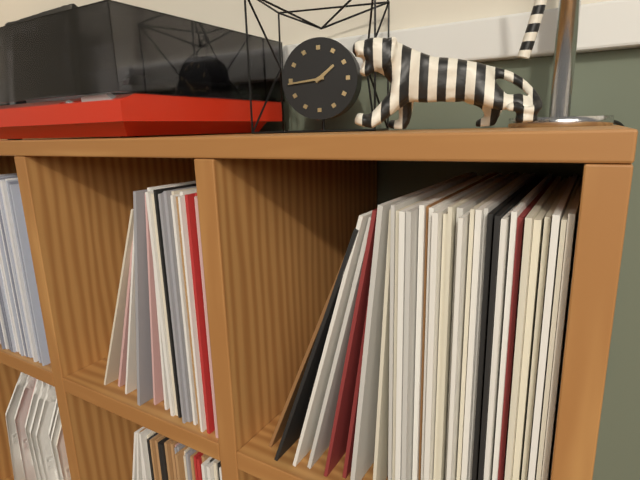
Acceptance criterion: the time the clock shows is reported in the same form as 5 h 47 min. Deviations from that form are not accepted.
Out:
1 h 44 min
